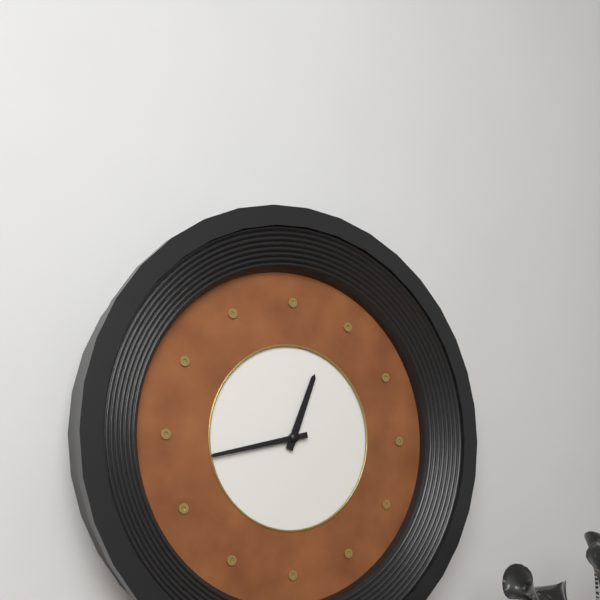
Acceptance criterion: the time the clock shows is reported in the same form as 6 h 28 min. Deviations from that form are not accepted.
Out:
12 h 43 min
